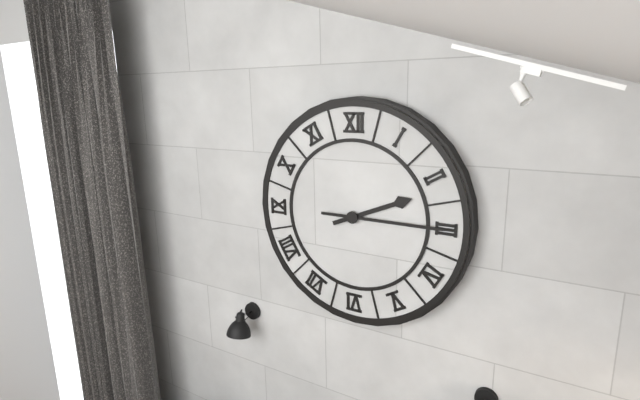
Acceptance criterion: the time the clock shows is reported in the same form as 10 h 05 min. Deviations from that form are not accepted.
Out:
2 h 15 min
